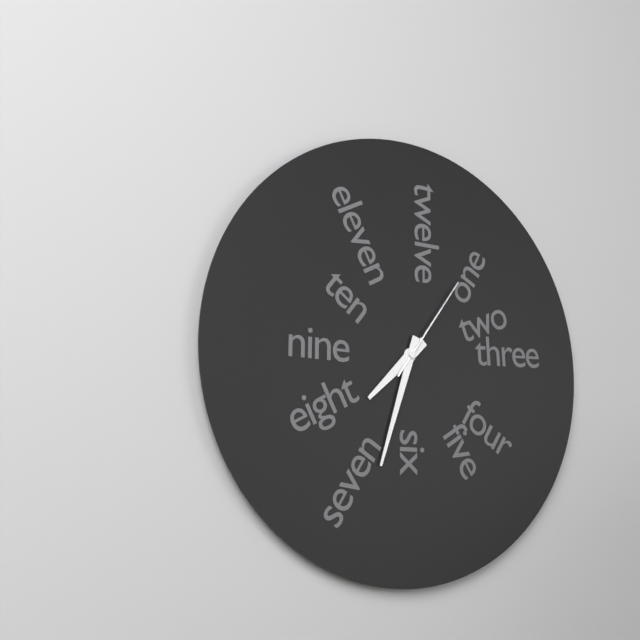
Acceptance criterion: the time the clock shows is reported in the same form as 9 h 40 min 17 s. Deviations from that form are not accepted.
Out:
7 h 33 min 06 s
